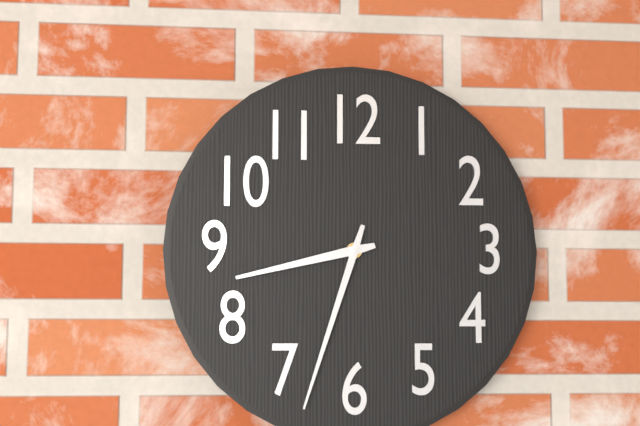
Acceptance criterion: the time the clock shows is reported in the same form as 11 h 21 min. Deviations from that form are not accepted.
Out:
8 h 33 min
